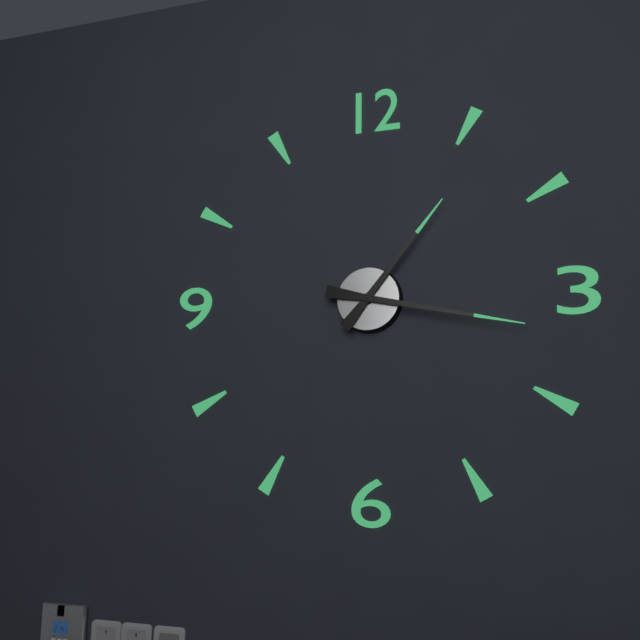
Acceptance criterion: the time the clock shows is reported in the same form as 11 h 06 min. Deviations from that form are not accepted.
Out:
1 h 17 min
